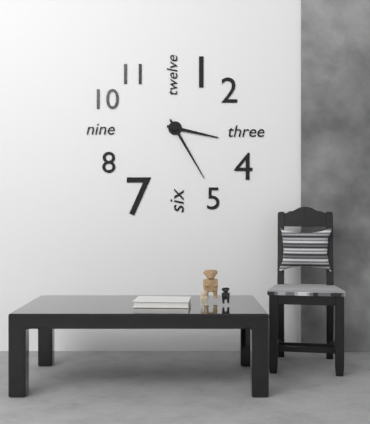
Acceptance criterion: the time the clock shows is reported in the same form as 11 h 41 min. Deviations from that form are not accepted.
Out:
3 h 25 min
